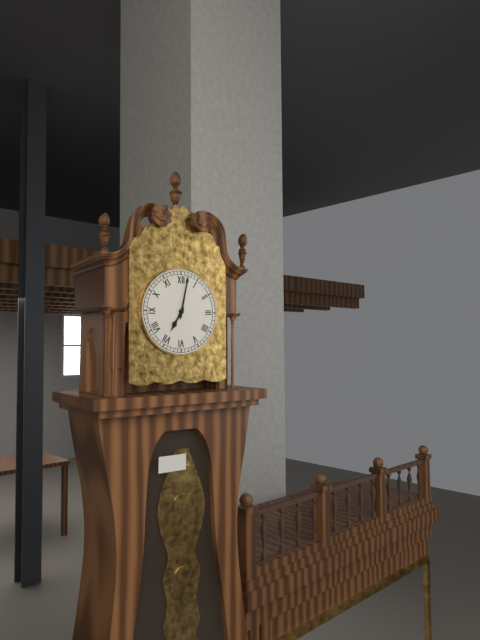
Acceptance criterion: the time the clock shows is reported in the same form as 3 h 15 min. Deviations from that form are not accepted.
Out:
7 h 02 min
